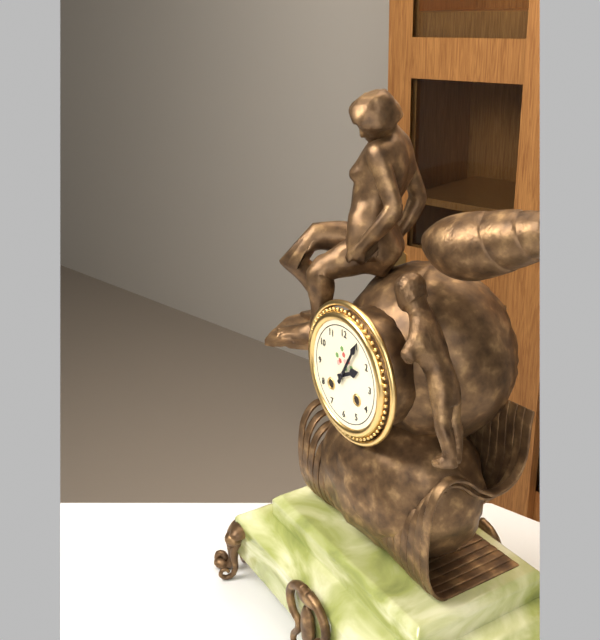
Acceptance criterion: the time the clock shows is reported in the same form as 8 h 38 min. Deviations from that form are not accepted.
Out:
2 h 05 min
